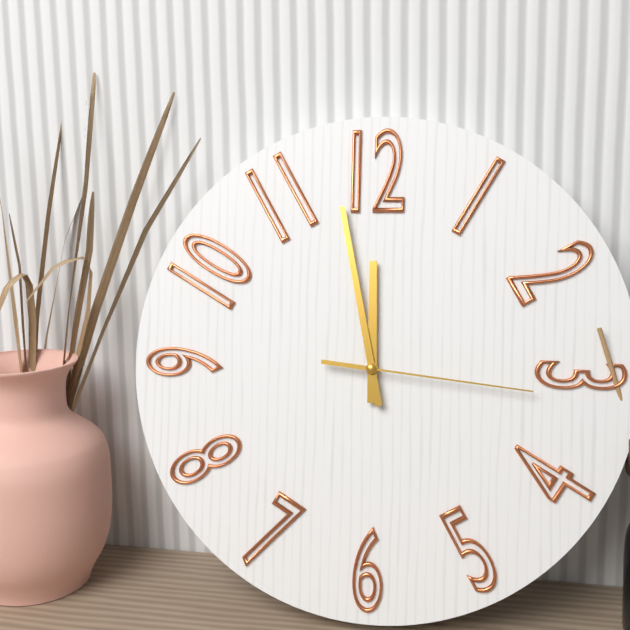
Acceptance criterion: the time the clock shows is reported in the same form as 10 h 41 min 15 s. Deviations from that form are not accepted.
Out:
11 h 58 min 16 s
